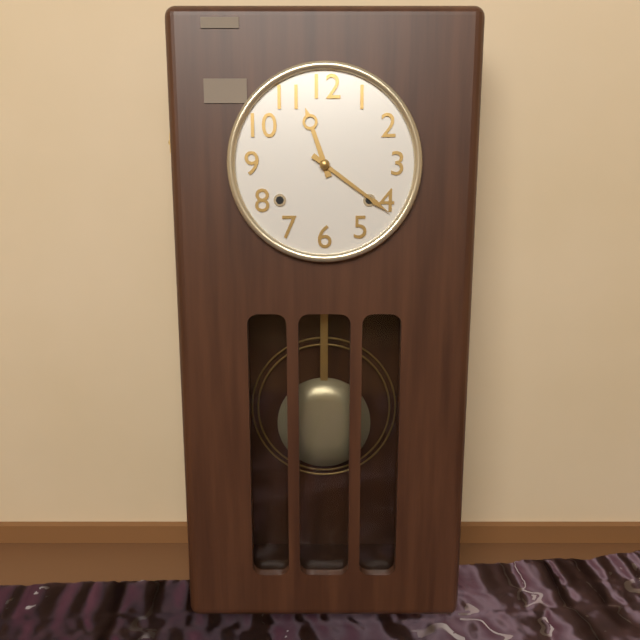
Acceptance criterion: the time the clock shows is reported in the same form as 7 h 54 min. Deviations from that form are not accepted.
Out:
11 h 21 min
